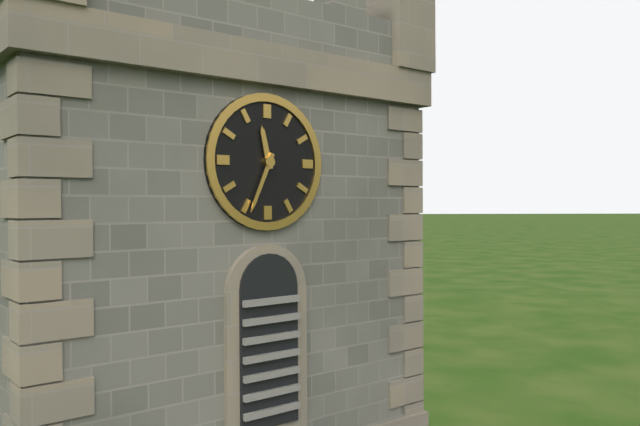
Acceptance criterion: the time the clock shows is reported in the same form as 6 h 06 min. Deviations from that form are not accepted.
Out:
11 h 34 min
